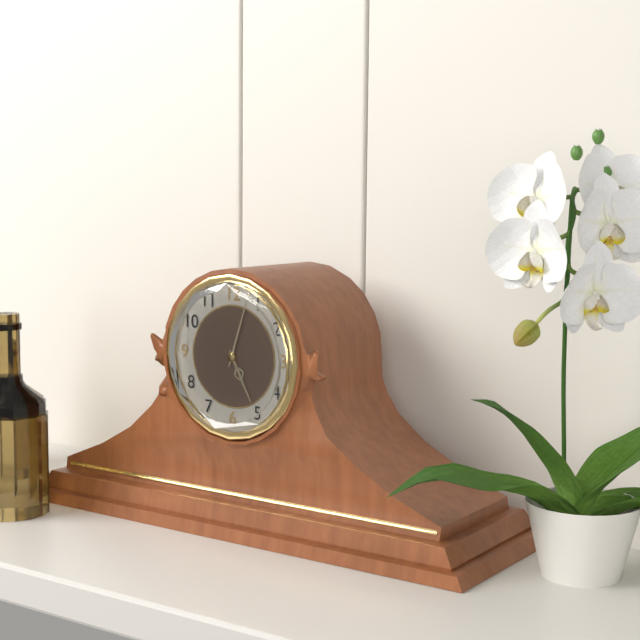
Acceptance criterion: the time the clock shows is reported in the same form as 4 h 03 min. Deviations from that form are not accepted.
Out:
5 h 03 min
